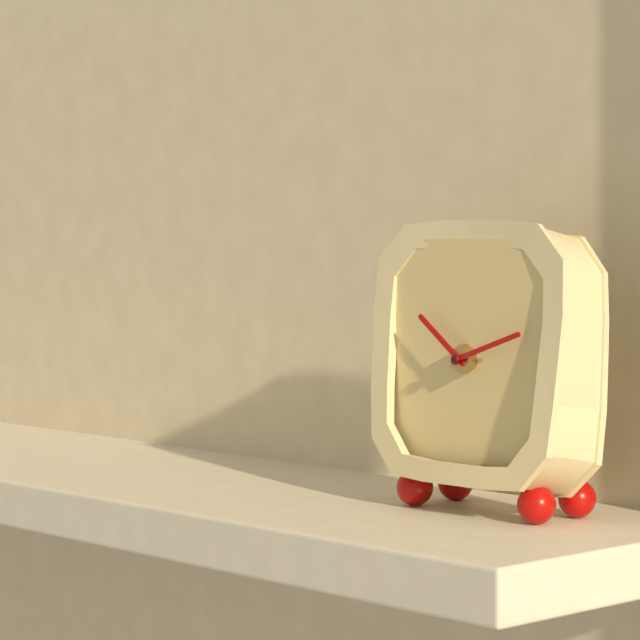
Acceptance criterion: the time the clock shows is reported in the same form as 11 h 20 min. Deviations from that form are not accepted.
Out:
10 h 12 min
